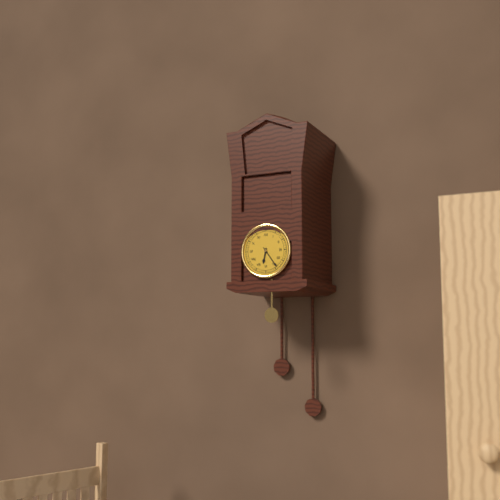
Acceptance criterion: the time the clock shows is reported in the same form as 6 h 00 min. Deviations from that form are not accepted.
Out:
6 h 24 min
